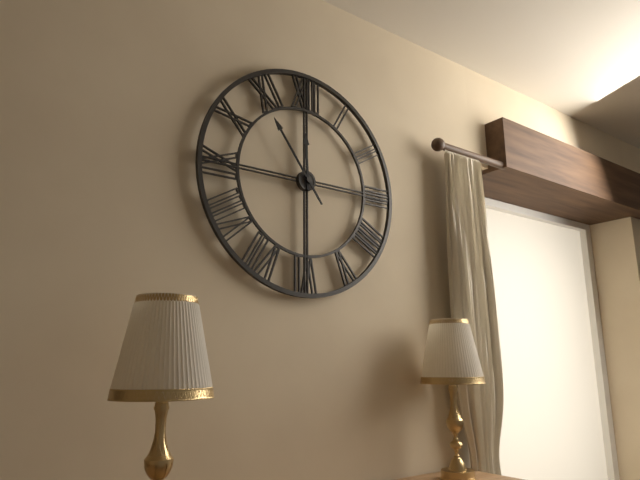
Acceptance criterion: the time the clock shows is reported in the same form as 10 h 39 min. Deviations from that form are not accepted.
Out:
11 h 54 min
